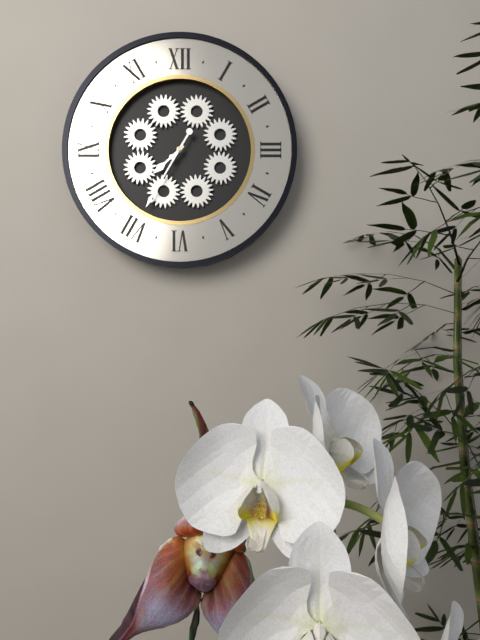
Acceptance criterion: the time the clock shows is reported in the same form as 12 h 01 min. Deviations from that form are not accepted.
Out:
7 h 35 min
